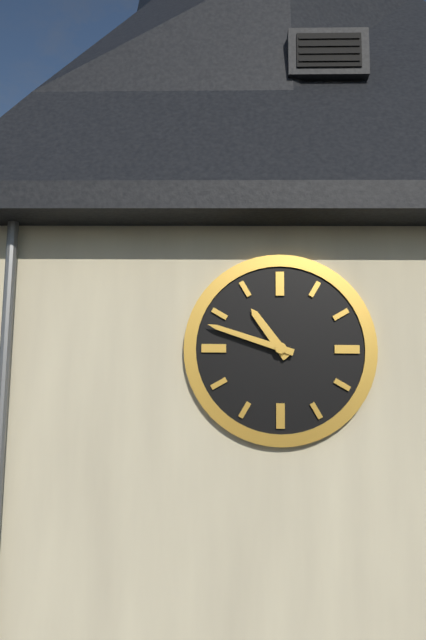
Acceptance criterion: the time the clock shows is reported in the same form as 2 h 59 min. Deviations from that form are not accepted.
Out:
10 h 48 min
